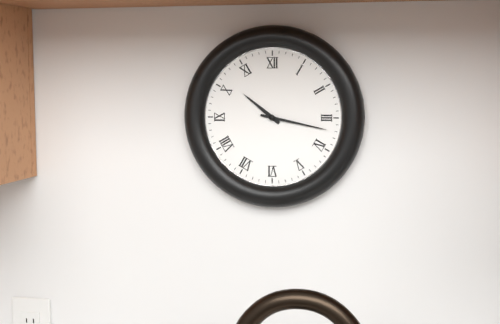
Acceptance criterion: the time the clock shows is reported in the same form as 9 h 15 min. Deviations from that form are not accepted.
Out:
10 h 17 min
